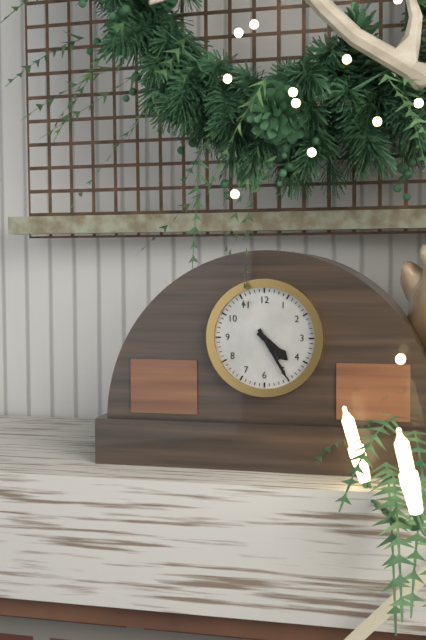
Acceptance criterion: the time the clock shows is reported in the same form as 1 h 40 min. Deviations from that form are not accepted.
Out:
4 h 25 min
